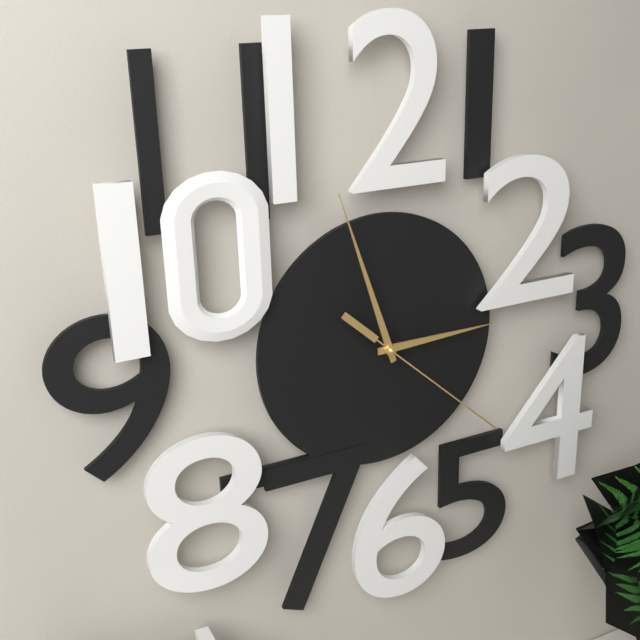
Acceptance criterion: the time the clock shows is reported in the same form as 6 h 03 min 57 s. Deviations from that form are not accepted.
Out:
2 h 57 min 22 s
